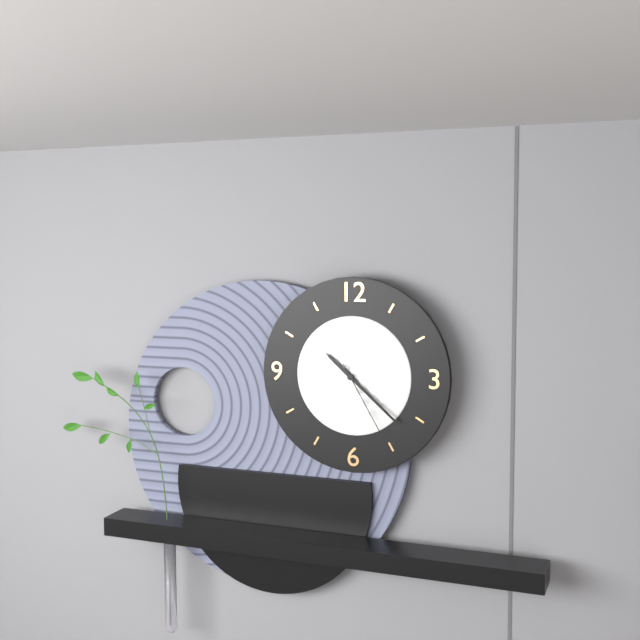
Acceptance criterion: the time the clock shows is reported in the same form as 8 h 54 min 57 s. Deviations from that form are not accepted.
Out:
10 h 22 min 25 s
